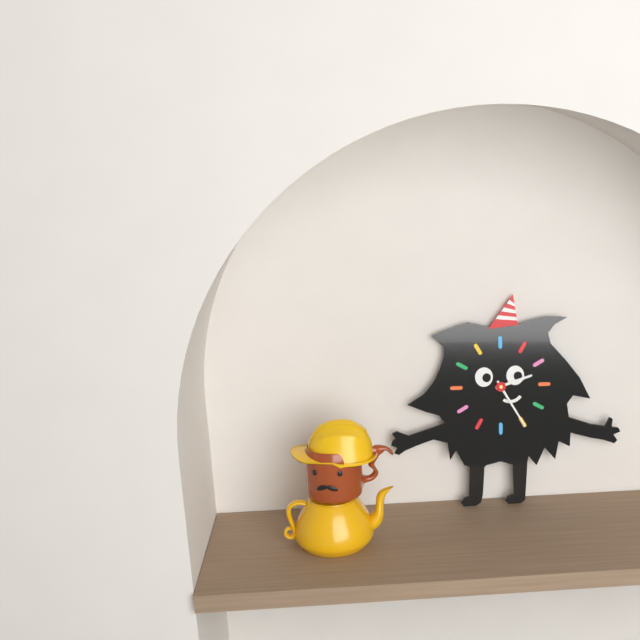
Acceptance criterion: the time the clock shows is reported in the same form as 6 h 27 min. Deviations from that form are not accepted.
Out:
2 h 25 min
